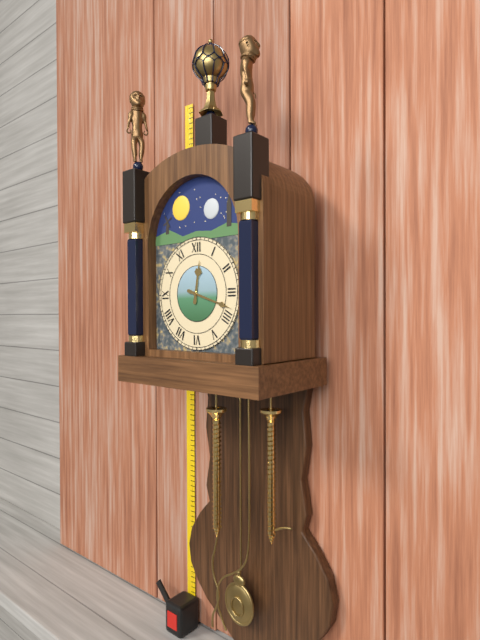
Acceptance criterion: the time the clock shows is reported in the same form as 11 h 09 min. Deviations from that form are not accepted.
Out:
12 h 18 min
